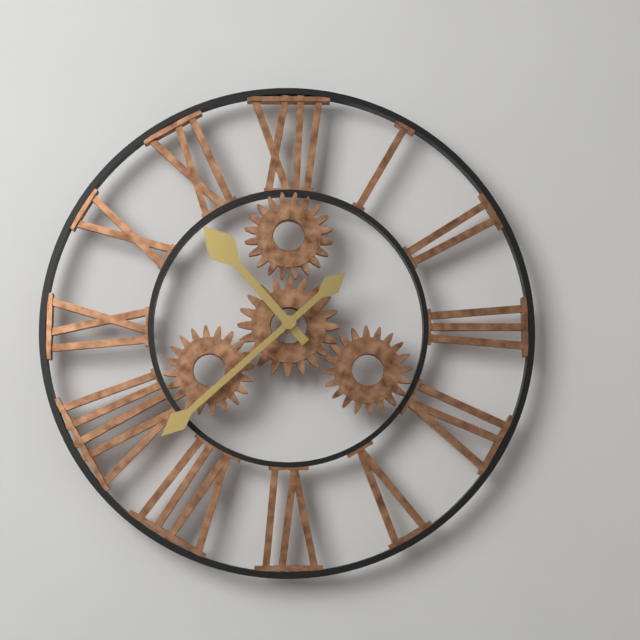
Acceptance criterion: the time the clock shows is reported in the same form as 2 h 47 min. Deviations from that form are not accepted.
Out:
10 h 38 min
